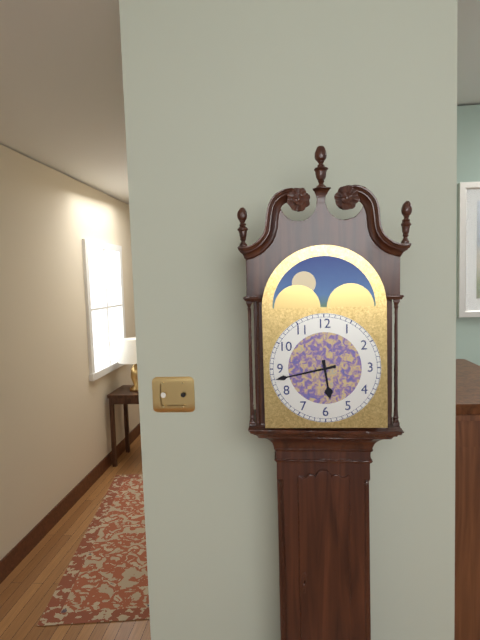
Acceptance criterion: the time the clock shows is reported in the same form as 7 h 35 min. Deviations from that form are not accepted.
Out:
5 h 43 min
